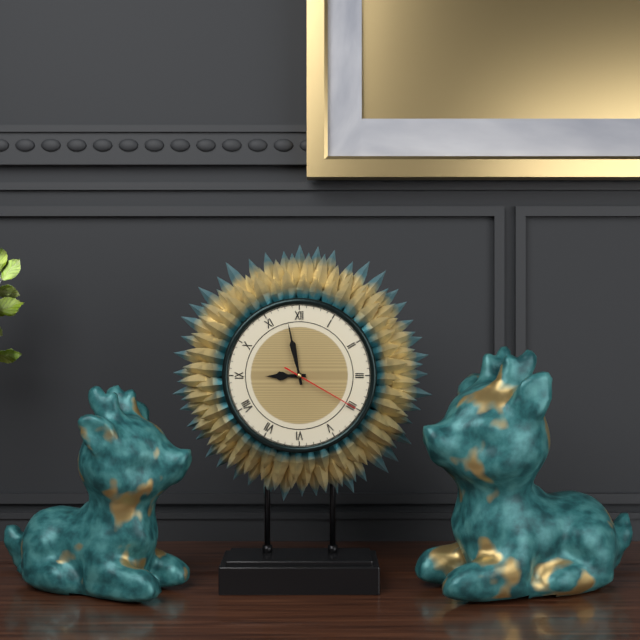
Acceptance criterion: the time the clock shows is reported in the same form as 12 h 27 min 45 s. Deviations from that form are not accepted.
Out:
8 h 58 min 20 s
